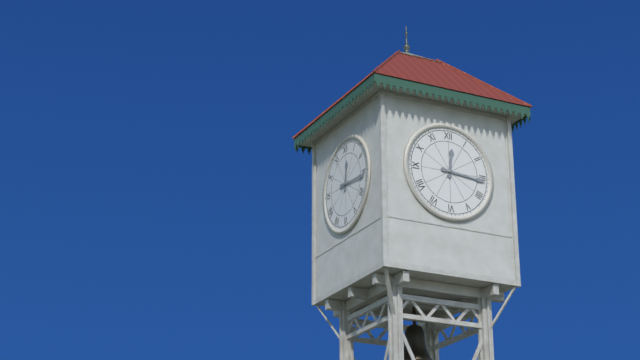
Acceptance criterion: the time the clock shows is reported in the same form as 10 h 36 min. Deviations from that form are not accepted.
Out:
12 h 16 min
